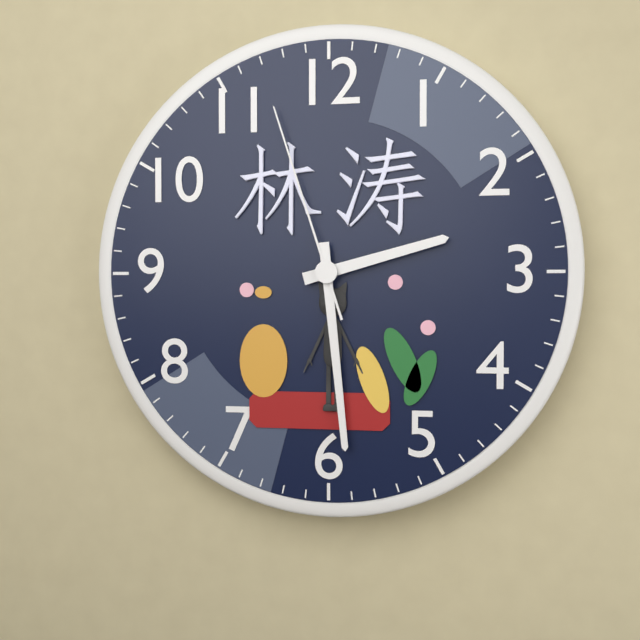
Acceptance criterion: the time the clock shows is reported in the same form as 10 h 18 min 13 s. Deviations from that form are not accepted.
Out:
2 h 29 min 57 s
